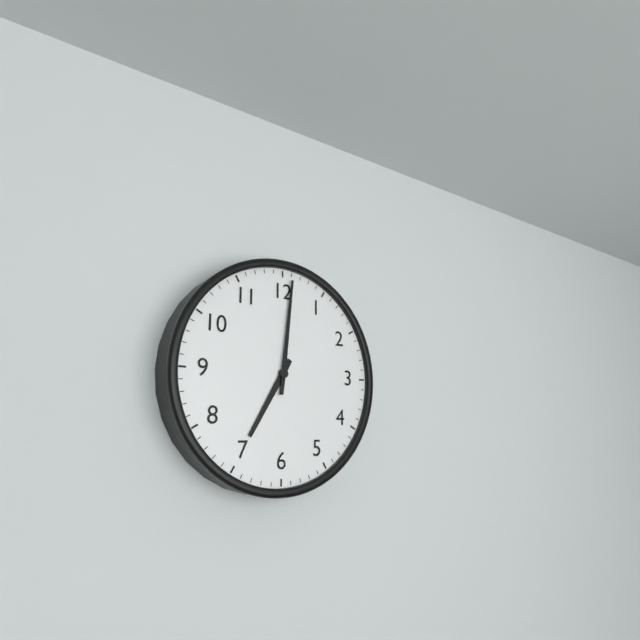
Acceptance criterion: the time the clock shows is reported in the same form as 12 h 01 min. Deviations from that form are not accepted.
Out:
7 h 01 min
